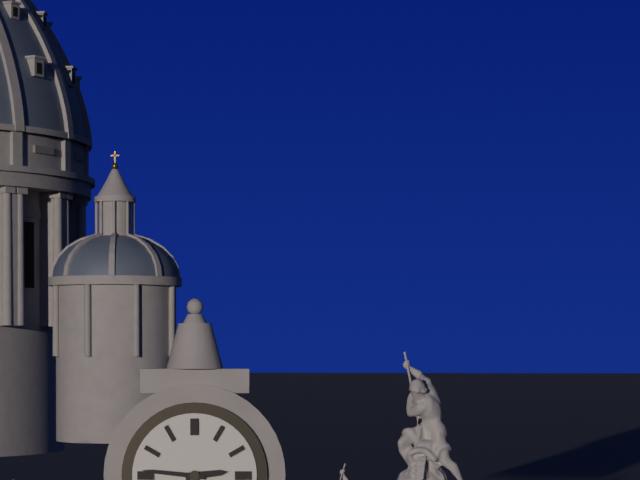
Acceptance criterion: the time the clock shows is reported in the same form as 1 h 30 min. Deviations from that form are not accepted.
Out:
2 h 46 min
